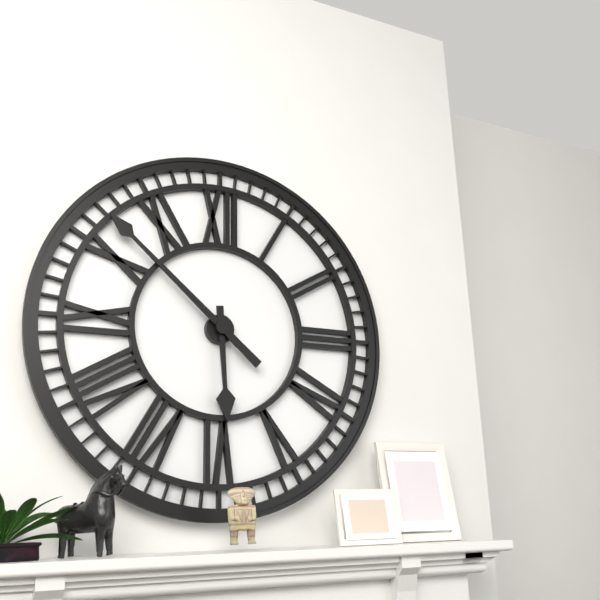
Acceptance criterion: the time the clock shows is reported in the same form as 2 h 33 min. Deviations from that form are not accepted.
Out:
5 h 52 min
